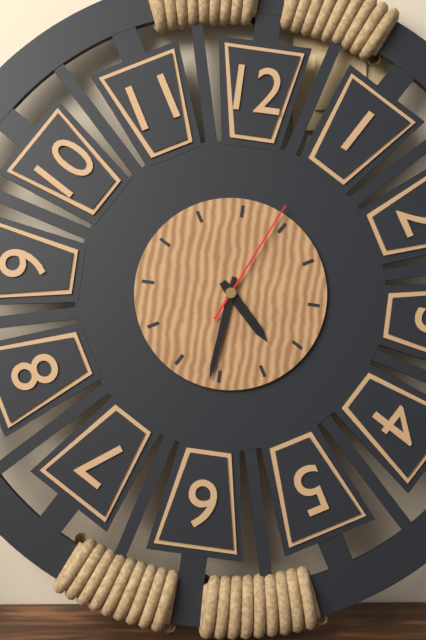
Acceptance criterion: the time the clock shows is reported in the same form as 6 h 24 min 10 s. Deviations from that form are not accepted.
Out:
4 h 31 min 04 s
